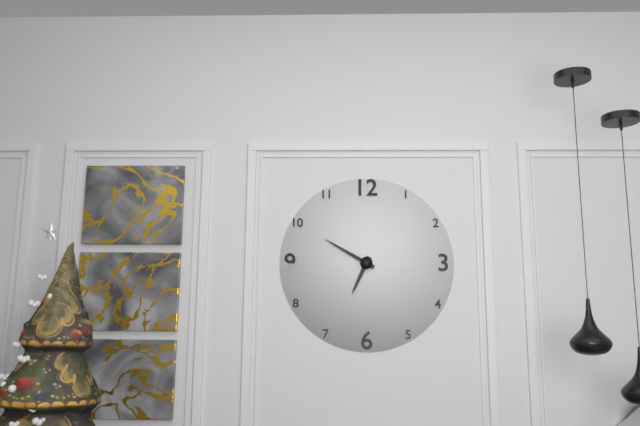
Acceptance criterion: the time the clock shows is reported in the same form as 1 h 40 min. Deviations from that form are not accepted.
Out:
6 h 50 min
